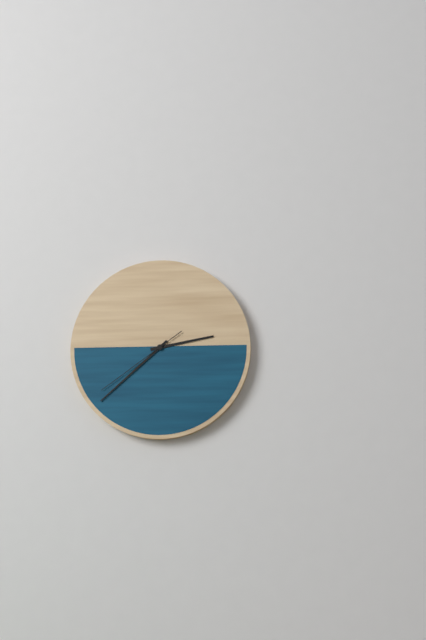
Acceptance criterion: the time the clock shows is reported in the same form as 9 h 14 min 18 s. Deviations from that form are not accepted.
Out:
2 h 38 min 39 s
